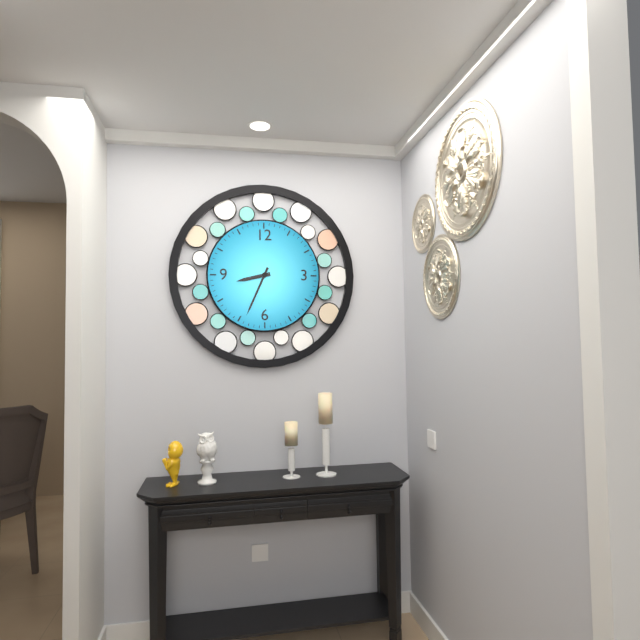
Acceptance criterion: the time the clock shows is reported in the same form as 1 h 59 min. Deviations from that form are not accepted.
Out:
8 h 34 min
